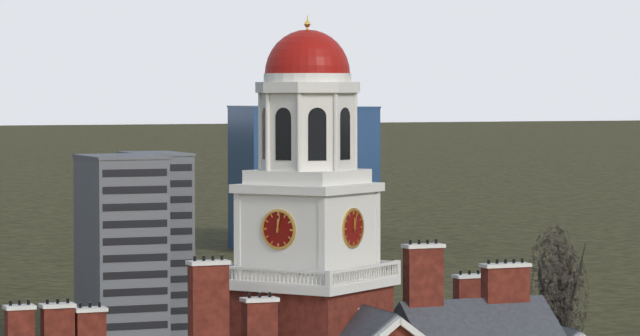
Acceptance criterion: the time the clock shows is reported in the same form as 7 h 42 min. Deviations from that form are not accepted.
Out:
12 h 02 min
